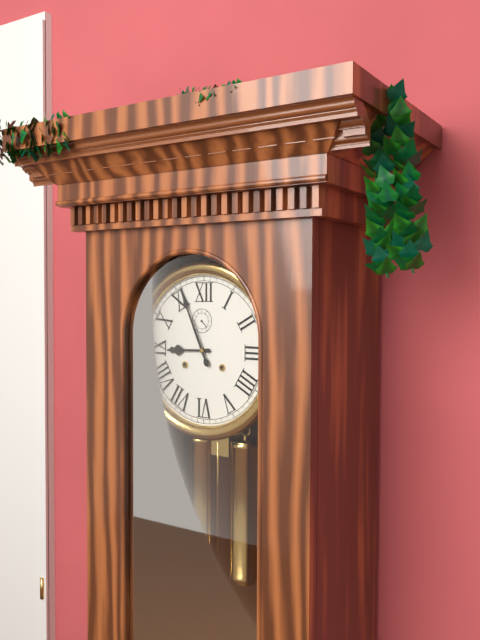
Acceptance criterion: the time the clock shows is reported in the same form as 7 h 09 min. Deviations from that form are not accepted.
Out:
8 h 56 min
